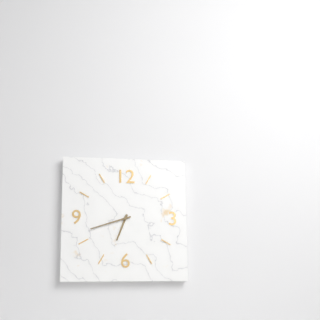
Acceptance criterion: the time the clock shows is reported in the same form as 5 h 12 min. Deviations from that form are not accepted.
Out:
6 h 42 min
